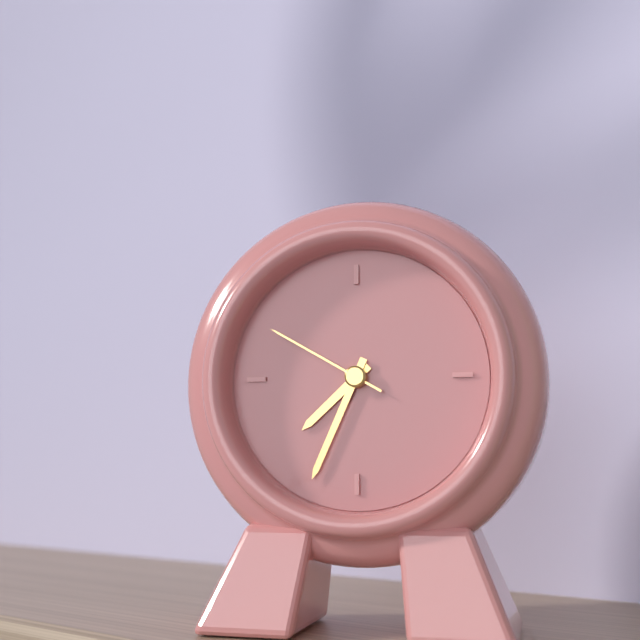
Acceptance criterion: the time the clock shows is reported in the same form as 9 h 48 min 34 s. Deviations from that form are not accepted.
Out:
7 h 34 min 50 s
